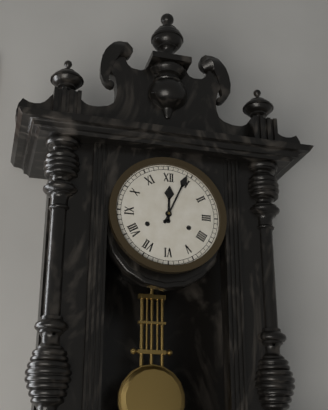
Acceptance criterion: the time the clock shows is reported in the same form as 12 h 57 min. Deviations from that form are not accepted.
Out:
12 h 04 min
